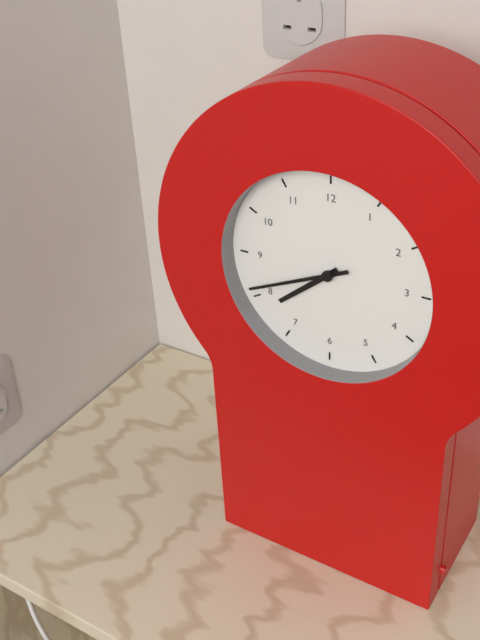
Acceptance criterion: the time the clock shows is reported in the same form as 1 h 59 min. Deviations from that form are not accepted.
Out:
7 h 41 min
